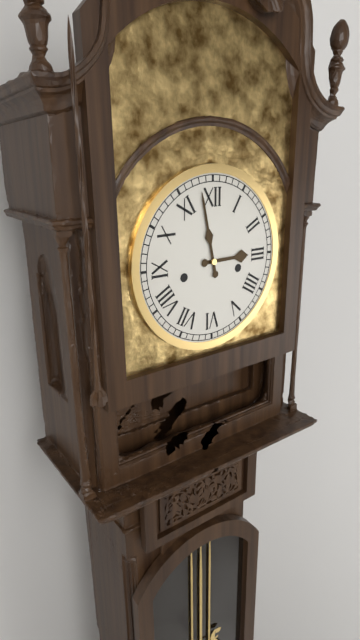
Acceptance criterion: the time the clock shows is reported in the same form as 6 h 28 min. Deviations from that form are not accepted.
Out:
2 h 58 min
